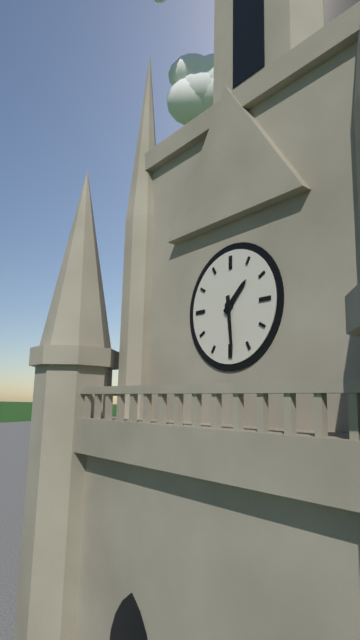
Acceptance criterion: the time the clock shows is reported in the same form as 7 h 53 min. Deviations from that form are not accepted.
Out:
1 h 29 min
